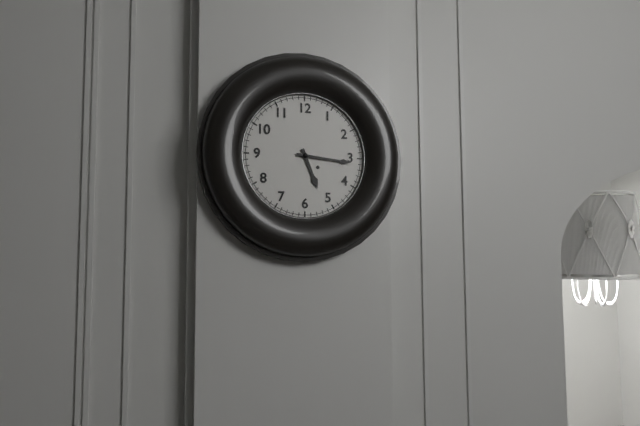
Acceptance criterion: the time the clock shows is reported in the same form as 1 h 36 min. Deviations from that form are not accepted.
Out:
5 h 16 min
